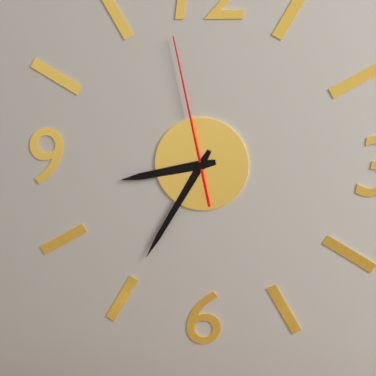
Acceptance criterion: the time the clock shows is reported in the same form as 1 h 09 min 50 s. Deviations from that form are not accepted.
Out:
8 h 35 min 58 s
